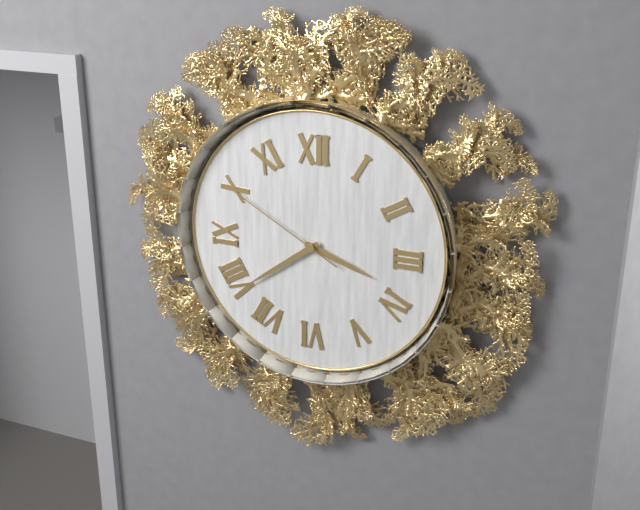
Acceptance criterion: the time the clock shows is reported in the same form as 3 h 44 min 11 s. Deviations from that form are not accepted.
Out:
3 h 39 min 50 s
